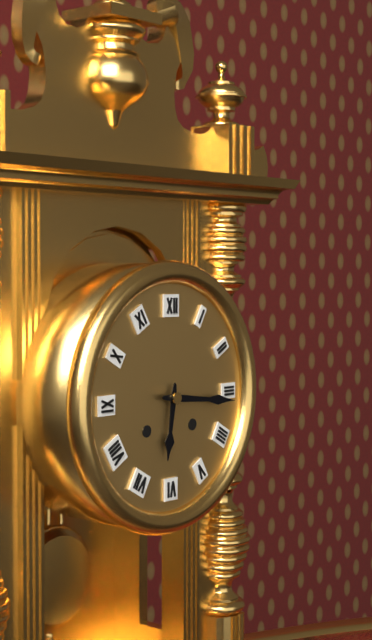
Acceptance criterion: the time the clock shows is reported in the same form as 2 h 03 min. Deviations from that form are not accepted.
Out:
6 h 16 min
